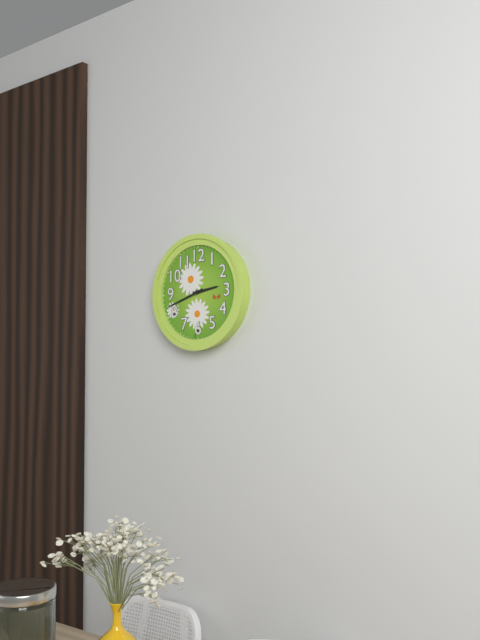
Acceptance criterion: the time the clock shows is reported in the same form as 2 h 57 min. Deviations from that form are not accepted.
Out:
2 h 42 min
